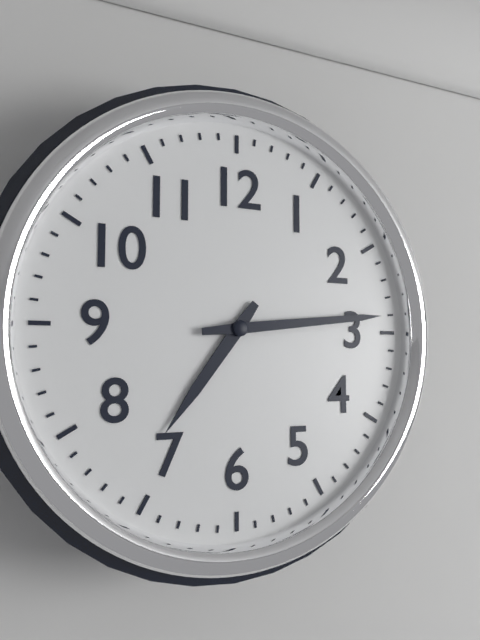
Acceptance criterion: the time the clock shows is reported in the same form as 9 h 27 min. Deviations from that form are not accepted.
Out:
7 h 14 min
